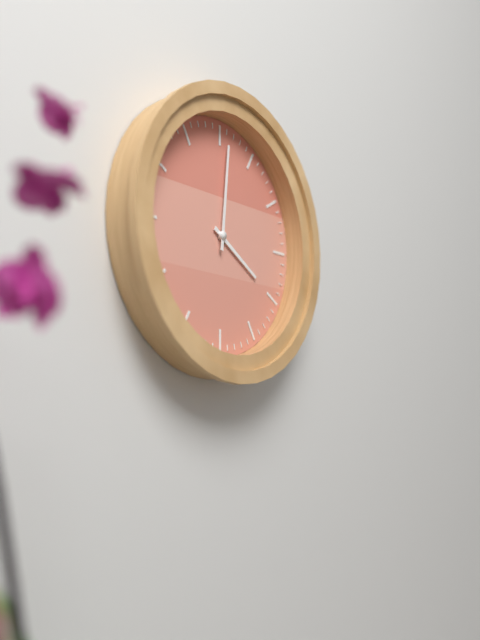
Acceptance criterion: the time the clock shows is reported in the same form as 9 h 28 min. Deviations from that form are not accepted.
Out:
4 h 01 min
